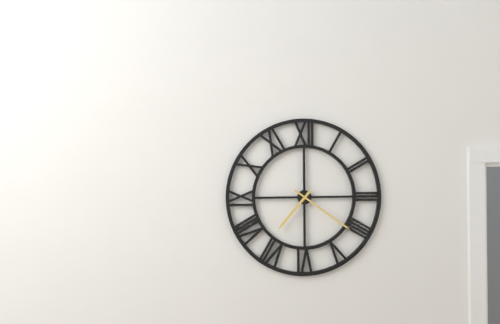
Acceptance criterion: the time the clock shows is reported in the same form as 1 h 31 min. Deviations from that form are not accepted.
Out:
7 h 21 min
